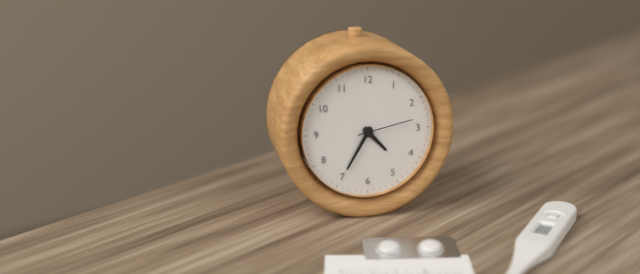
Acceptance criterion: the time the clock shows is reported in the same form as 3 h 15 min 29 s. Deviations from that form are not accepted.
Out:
4 h 35 min 13 s
